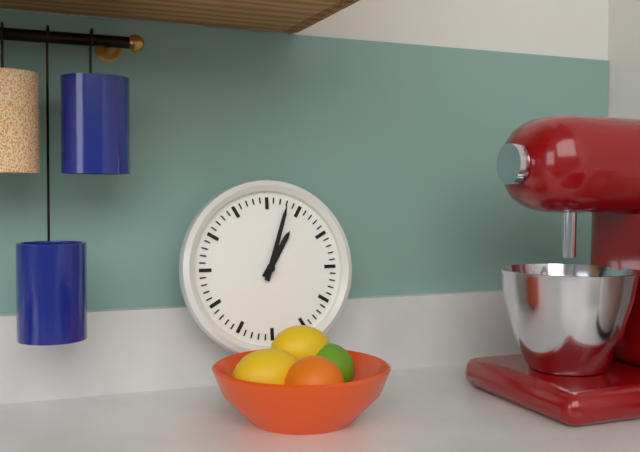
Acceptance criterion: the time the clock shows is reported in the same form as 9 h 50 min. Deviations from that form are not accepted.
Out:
1 h 03 min
